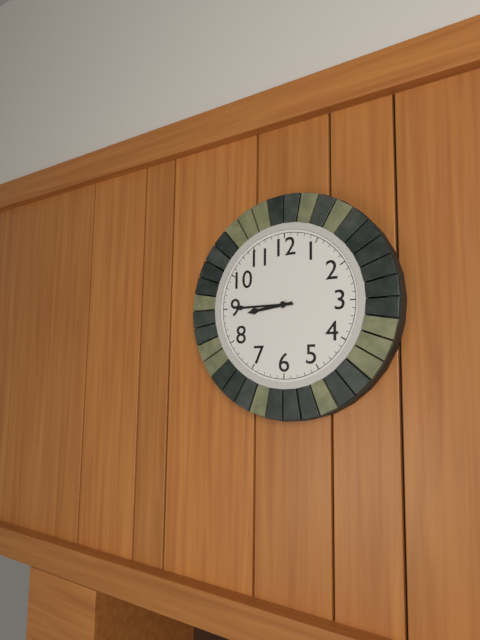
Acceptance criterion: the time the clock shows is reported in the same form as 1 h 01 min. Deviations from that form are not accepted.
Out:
8 h 45 min
